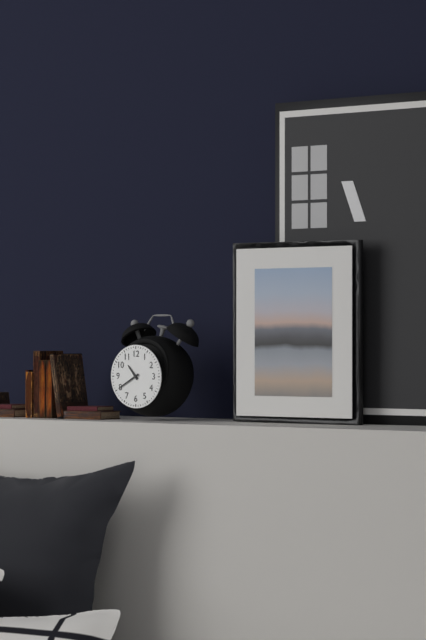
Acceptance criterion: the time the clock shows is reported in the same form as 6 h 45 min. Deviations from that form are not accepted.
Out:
10 h 40 min
